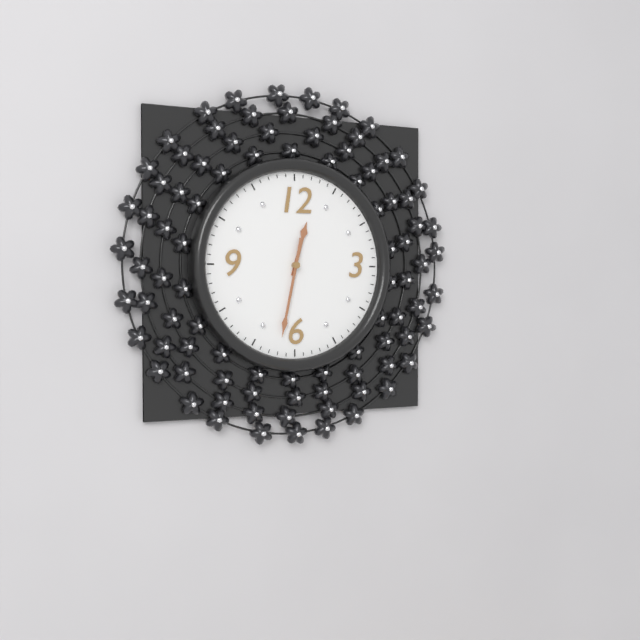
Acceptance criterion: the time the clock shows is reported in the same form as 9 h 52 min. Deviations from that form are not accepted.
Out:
12 h 32 min
